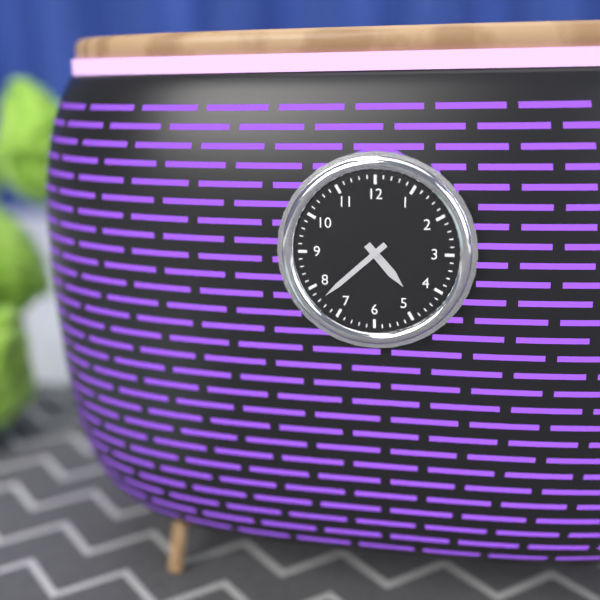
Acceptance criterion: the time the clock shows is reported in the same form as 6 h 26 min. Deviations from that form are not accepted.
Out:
4 h 38 min
